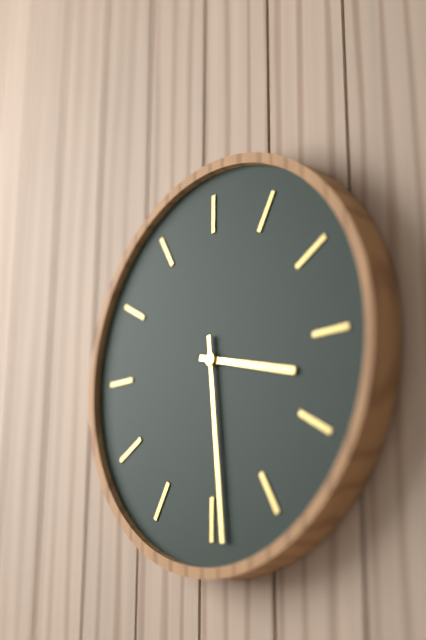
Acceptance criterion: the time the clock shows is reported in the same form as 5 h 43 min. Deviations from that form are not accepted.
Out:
3 h 29 min
